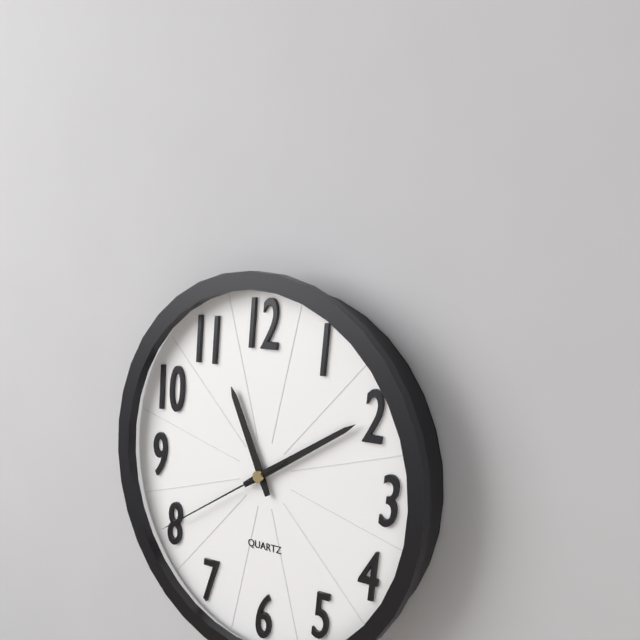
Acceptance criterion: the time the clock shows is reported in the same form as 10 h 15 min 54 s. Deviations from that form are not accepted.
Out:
11 h 10 min 40 s
